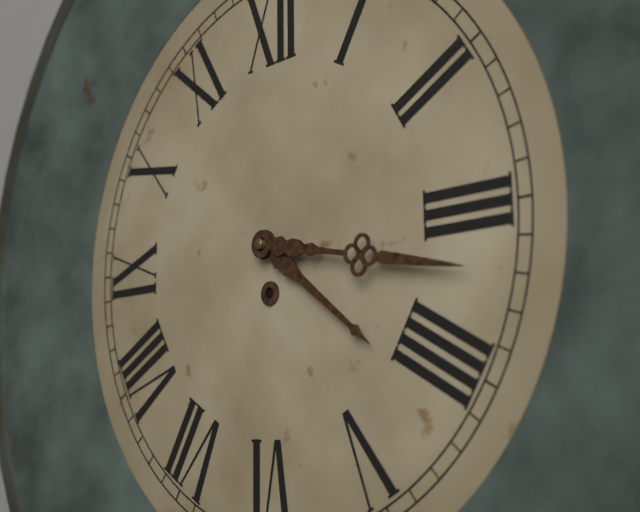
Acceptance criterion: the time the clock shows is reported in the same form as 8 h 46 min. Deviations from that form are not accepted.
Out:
4 h 17 min
